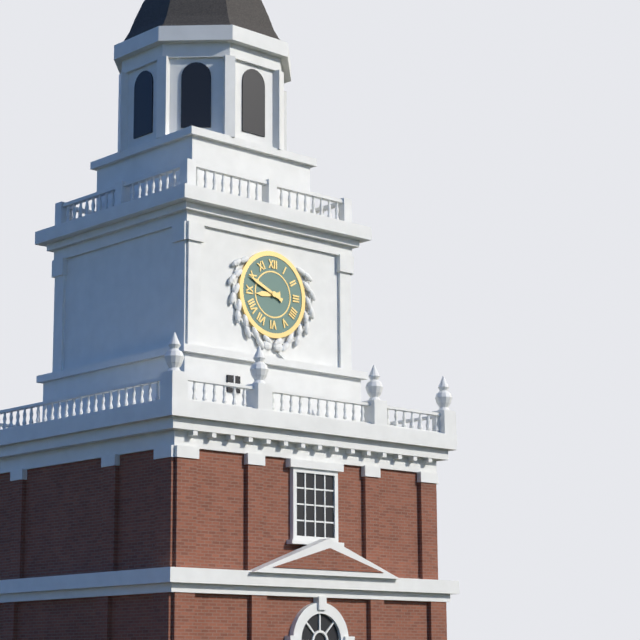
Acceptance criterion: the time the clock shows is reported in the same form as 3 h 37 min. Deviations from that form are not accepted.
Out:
8 h 49 min
